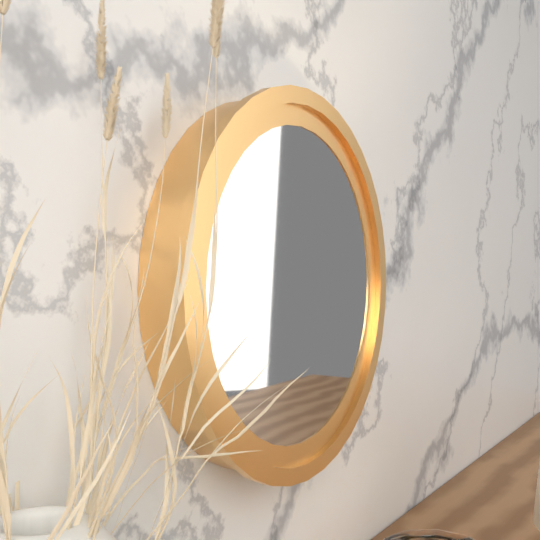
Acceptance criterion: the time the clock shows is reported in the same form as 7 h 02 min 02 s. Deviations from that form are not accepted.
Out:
6 h 22 min 05 s
